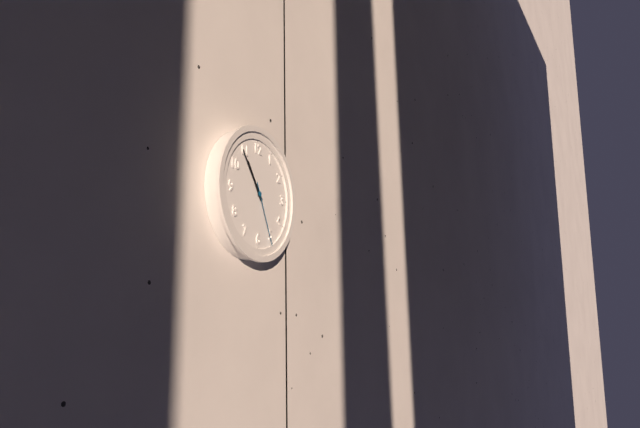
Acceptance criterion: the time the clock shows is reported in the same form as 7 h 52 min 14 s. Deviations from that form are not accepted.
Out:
10 h 54 min 26 s
